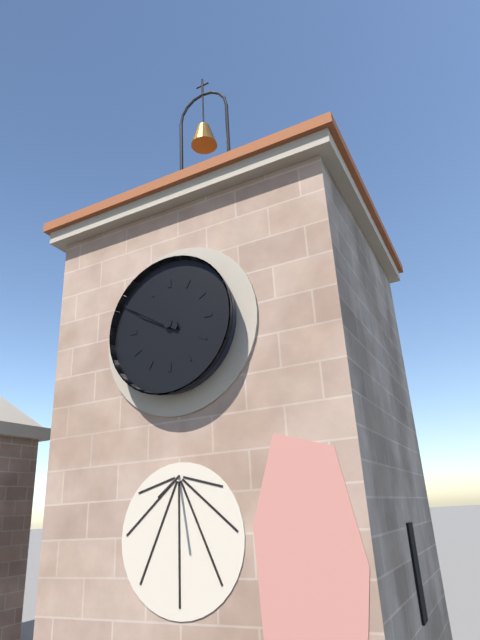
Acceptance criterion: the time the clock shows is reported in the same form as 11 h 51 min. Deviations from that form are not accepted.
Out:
9 h 50 min
